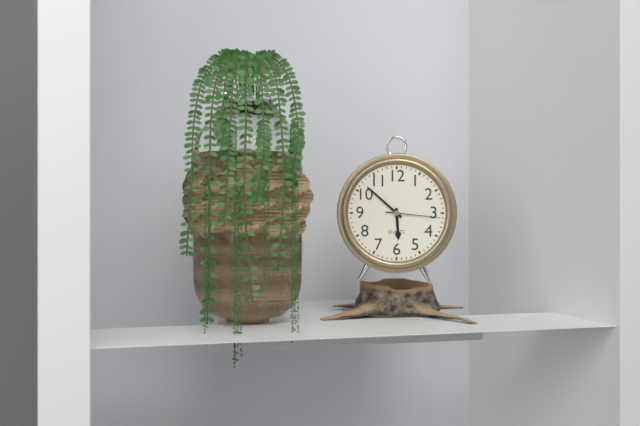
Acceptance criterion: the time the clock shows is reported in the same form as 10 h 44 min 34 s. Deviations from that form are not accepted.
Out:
5 h 52 min 16 s
